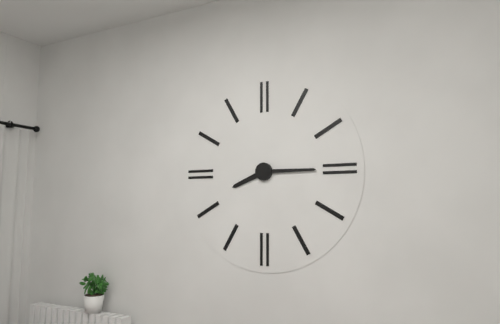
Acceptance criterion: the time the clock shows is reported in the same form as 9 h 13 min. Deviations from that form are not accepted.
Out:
8 h 15 min
